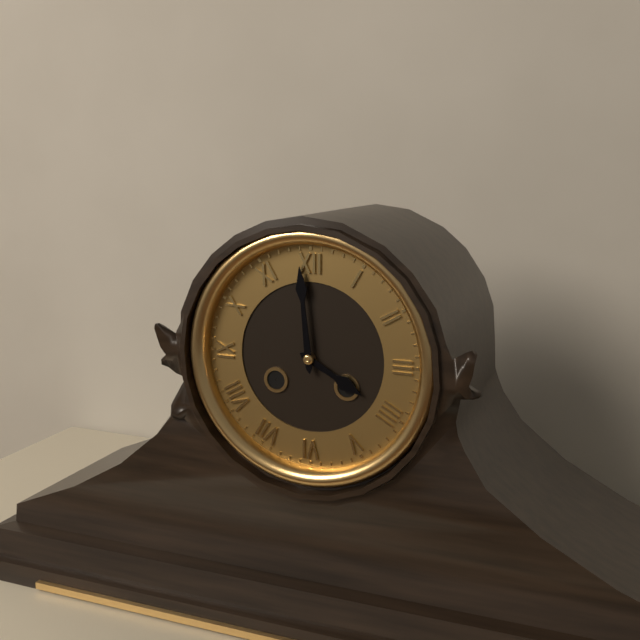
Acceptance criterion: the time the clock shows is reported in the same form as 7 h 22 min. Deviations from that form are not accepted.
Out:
3 h 59 min
